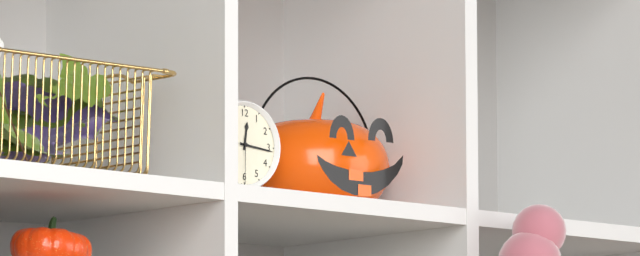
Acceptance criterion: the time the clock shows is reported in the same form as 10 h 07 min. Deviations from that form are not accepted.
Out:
12 h 16 min
